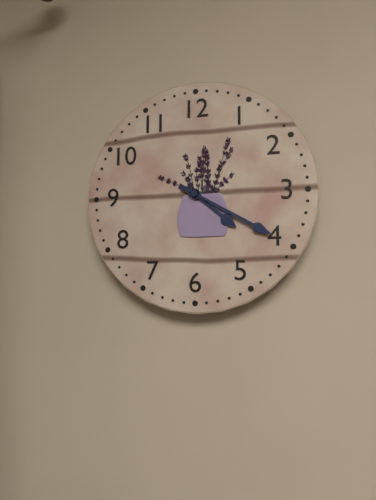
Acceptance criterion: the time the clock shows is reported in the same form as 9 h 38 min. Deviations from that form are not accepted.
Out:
4 h 20 min
